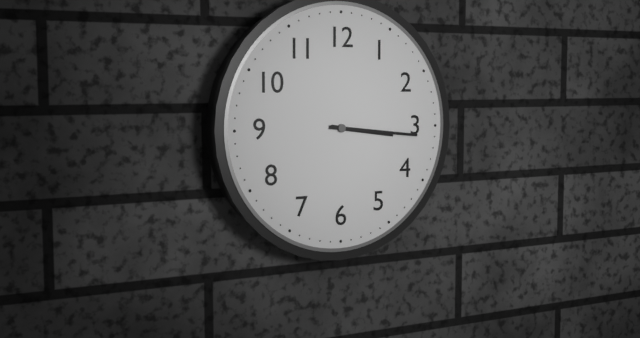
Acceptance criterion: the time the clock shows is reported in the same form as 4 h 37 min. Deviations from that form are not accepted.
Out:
3 h 16 min
